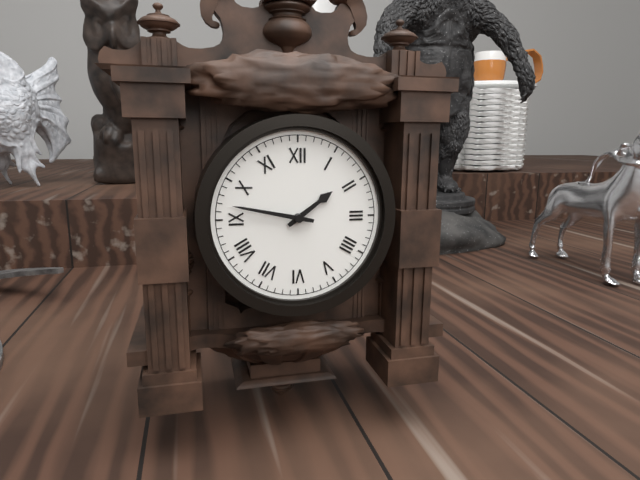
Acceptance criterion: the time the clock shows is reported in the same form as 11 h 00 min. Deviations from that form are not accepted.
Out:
1 h 47 min
